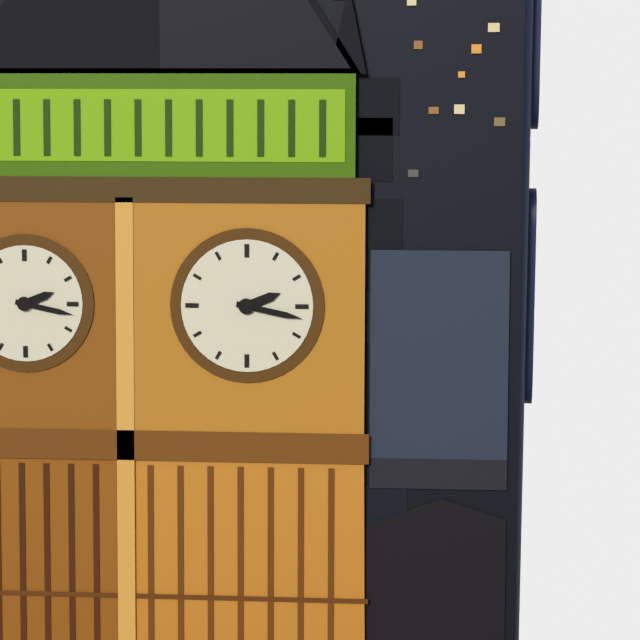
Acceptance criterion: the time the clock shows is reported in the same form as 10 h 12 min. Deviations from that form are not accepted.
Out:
2 h 17 min
